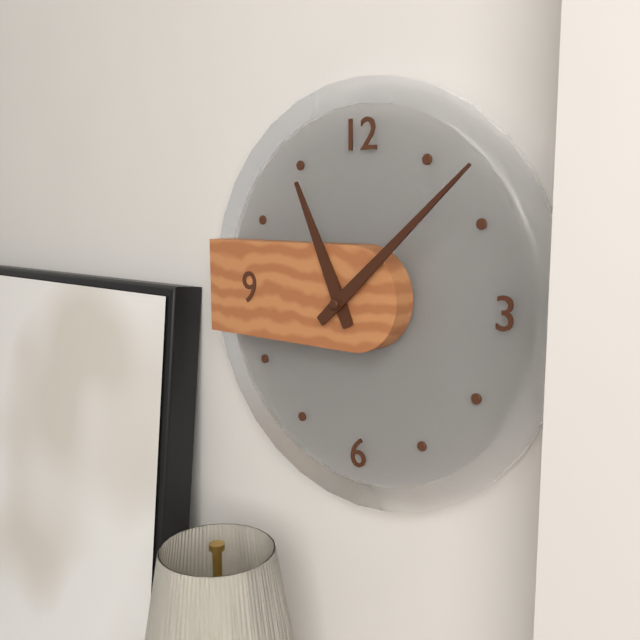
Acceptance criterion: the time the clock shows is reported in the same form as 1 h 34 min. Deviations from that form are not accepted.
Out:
11 h 08 min
